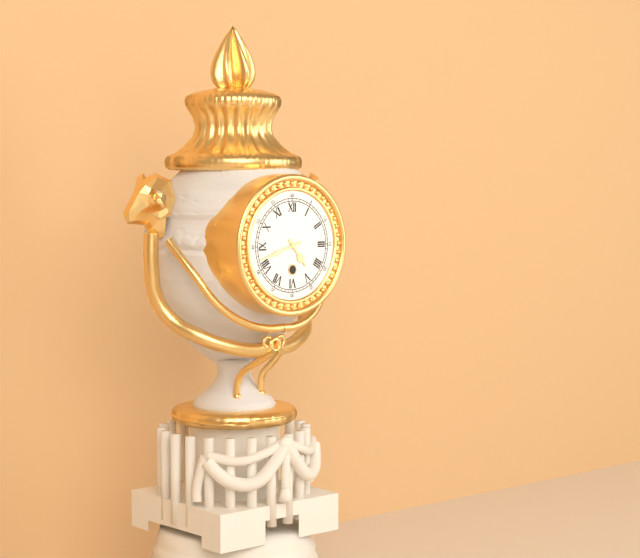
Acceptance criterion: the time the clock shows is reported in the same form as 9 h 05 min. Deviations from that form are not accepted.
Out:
4 h 42 min
